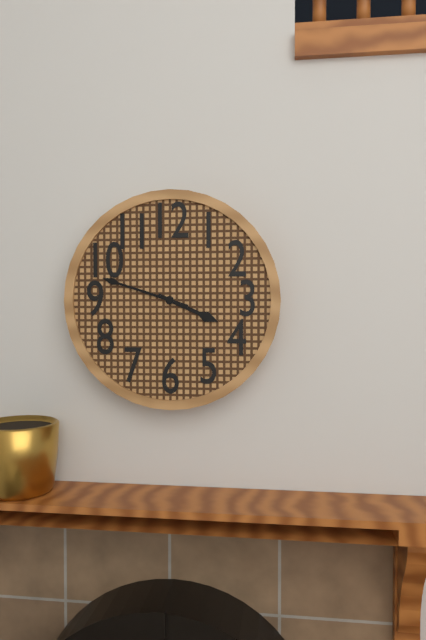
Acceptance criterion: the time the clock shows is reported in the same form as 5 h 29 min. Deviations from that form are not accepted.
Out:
3 h 48 min
